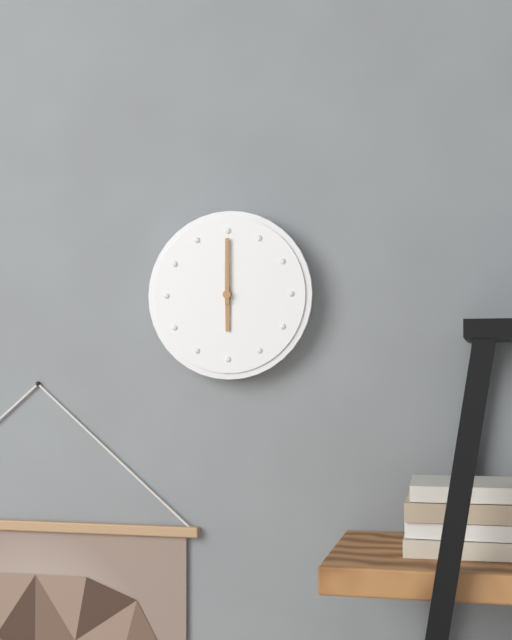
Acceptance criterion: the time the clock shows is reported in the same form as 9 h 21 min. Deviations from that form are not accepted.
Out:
6 h 00 min
